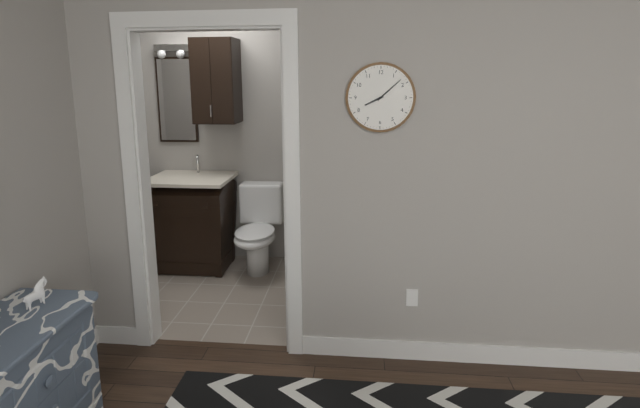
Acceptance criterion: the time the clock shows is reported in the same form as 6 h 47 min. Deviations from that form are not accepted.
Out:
8 h 08 min
